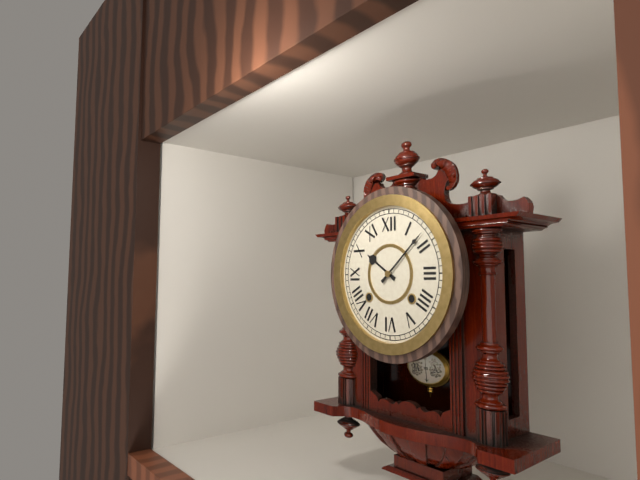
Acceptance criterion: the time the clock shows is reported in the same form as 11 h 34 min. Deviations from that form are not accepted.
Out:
10 h 08 min
